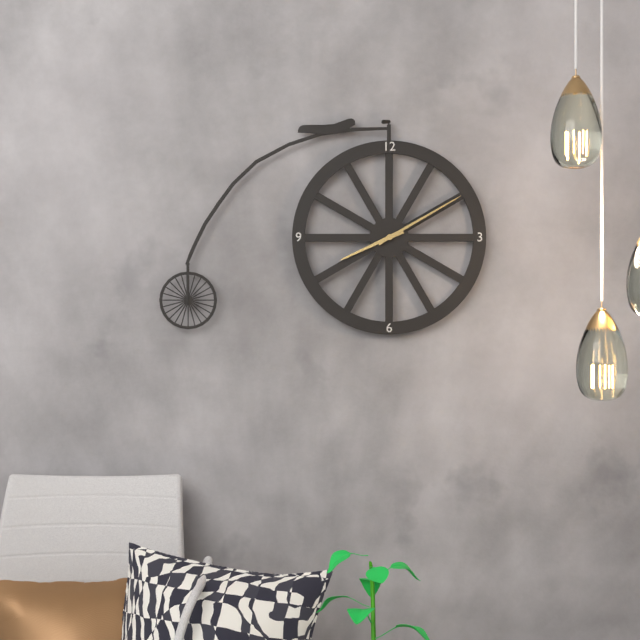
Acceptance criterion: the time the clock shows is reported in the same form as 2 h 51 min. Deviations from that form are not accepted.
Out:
8 h 10 min
